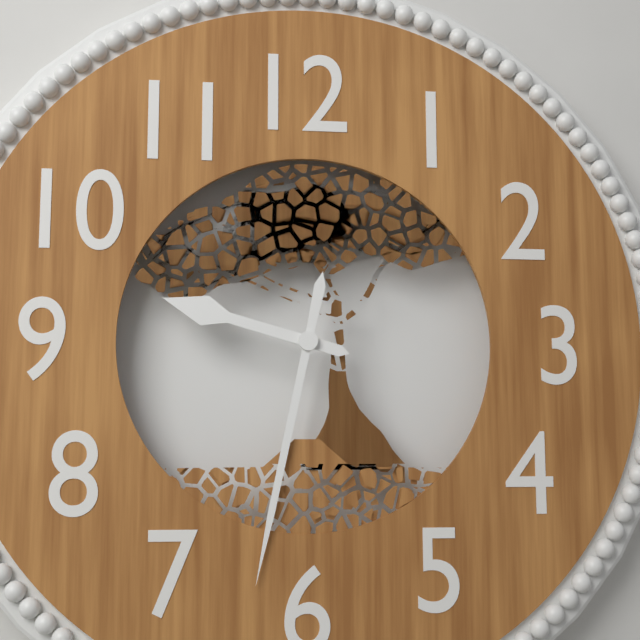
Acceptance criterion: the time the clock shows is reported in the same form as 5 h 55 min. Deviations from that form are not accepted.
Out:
9 h 32 min
